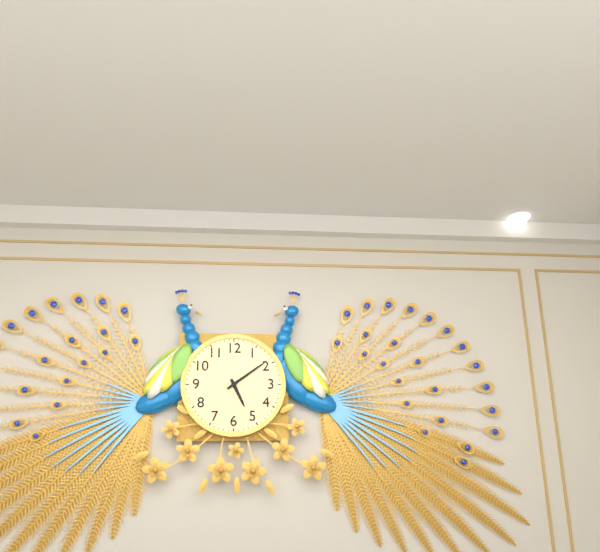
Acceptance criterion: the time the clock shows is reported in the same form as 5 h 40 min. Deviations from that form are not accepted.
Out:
5 h 09 min
